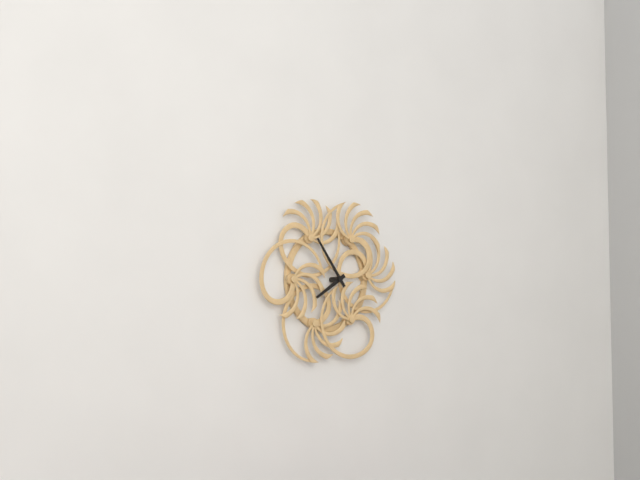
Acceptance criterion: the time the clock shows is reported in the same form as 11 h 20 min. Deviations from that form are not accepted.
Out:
7 h 54 min
